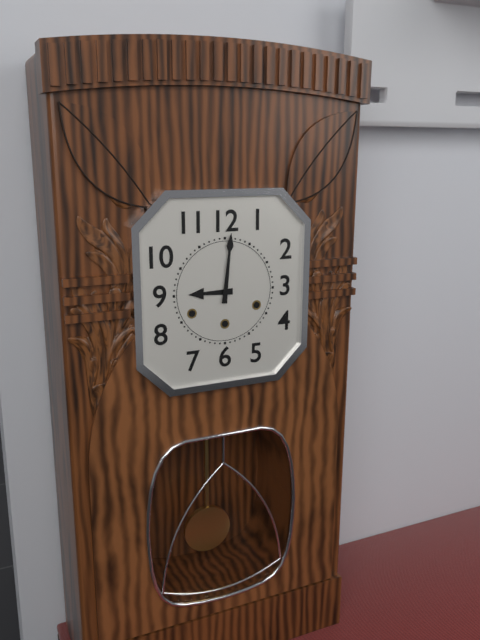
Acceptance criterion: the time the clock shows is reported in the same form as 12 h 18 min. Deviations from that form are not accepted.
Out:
9 h 01 min
